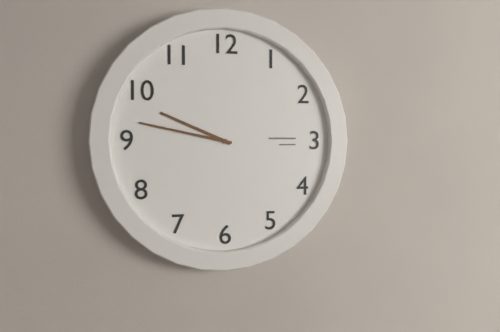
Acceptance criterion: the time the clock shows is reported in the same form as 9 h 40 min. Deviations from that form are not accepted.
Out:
9 h 47 min
